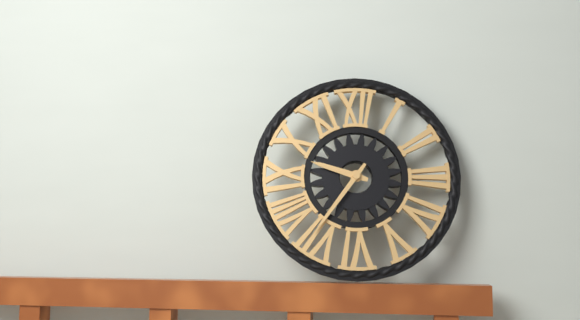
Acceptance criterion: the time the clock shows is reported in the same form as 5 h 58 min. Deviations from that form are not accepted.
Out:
9 h 36 min
